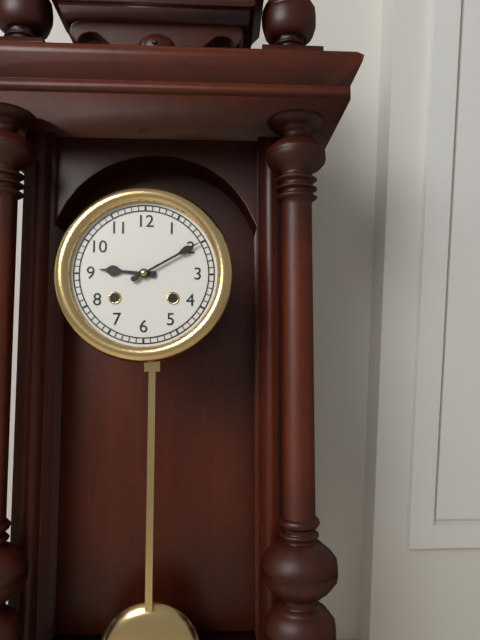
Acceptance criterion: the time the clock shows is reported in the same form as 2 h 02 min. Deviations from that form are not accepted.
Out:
9 h 10 min
